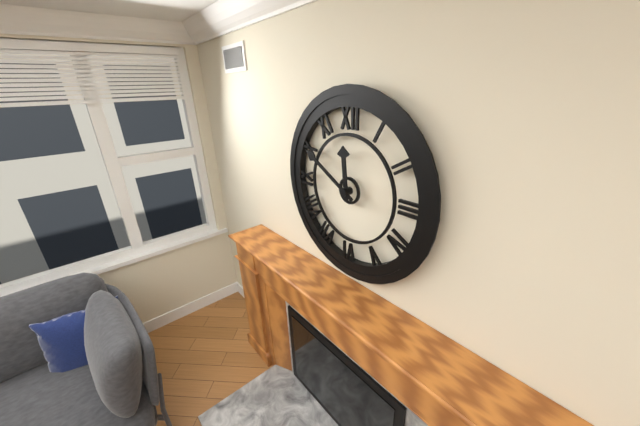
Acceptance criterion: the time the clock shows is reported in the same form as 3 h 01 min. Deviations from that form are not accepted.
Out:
11 h 50 min
